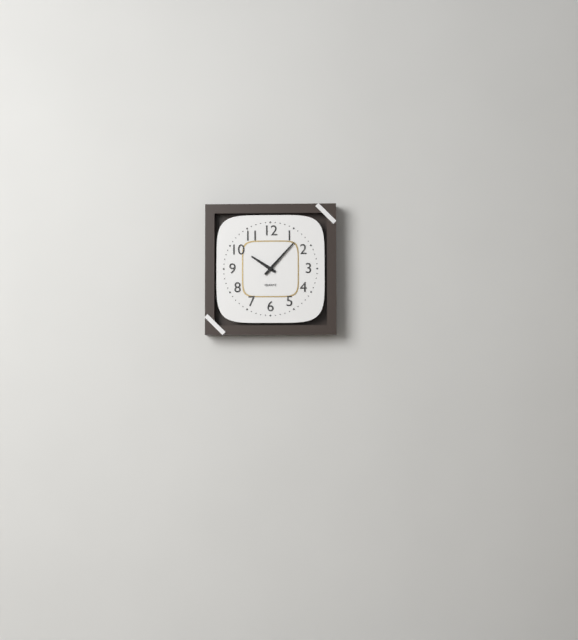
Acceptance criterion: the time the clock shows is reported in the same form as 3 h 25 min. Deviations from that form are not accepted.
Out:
10 h 07 min
